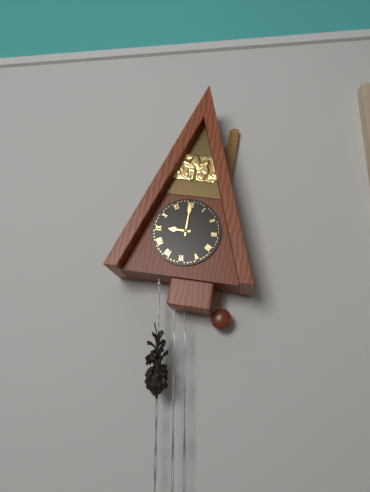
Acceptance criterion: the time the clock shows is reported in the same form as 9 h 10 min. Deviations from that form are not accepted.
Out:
9 h 00 min
